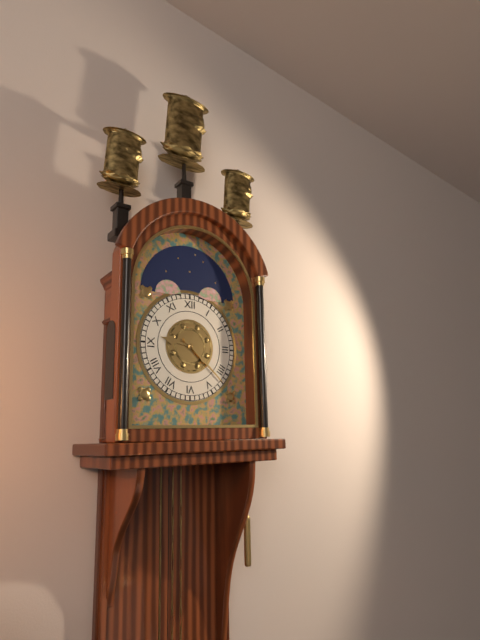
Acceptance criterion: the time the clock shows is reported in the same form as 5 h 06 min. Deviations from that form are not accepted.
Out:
9 h 22 min
